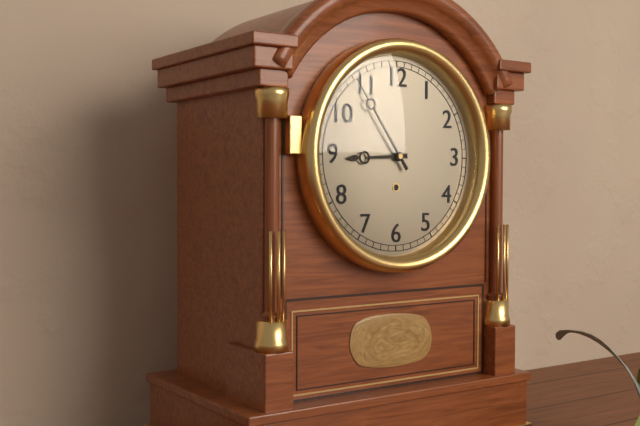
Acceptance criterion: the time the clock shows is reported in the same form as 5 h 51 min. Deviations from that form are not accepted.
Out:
8 h 54 min
